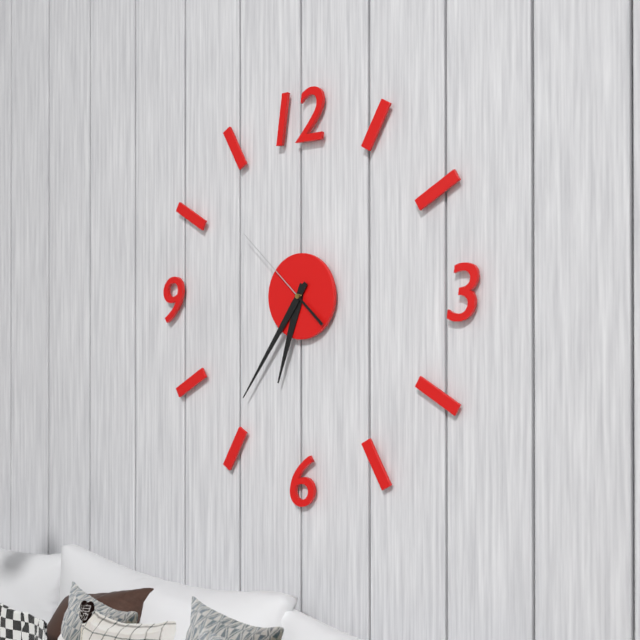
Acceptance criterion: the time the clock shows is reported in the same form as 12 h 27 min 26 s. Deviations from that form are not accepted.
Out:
6 h 36 min 52 s
